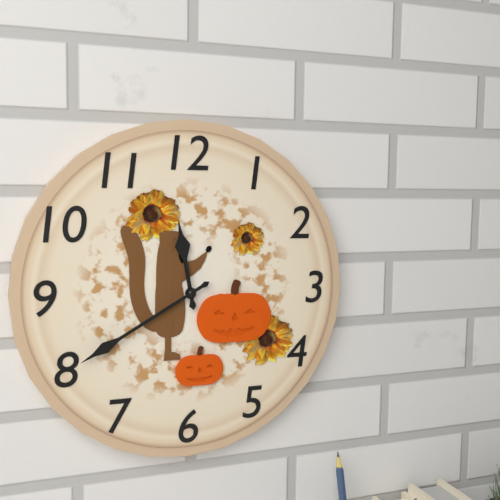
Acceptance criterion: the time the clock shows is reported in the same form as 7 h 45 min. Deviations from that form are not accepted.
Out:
11 h 40 min
